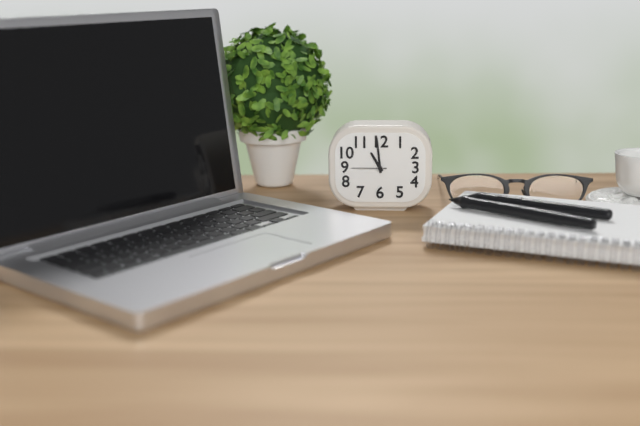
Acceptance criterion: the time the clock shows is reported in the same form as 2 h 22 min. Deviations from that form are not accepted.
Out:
10 h 59 min
